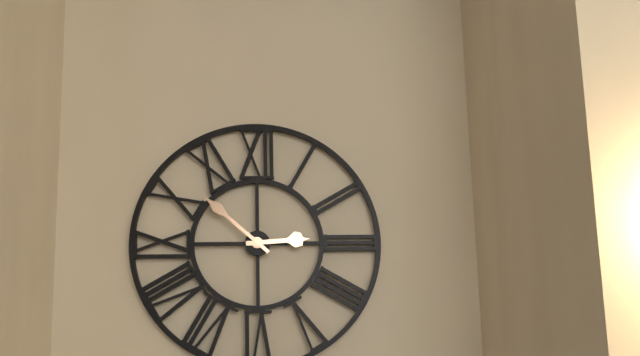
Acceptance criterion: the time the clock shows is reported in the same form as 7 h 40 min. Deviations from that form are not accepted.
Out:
2 h 52 min
